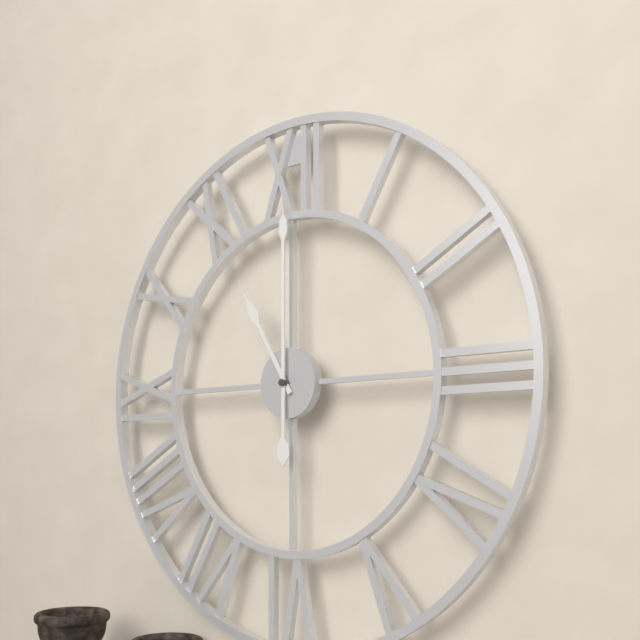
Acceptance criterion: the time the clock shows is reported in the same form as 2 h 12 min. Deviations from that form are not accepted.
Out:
11 h 00 min
